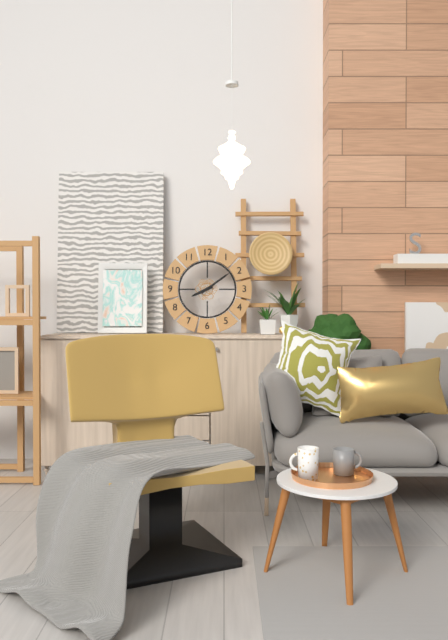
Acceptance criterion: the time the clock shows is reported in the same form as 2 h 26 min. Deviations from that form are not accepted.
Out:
8 h 09 min
